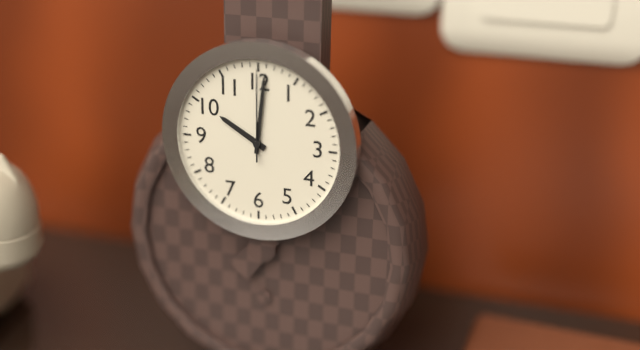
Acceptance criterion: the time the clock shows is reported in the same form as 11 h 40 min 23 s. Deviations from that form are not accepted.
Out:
10 h 01 min 00 s
